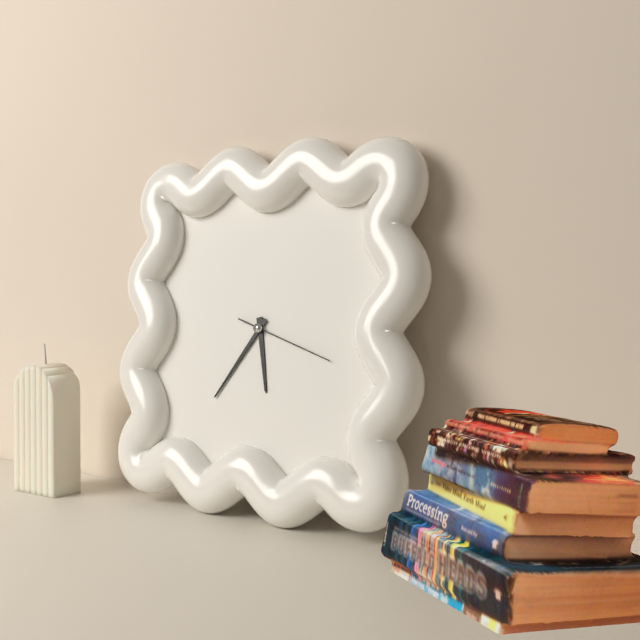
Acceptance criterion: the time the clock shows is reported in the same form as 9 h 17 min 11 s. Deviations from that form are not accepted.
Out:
5 h 36 min 18 s
